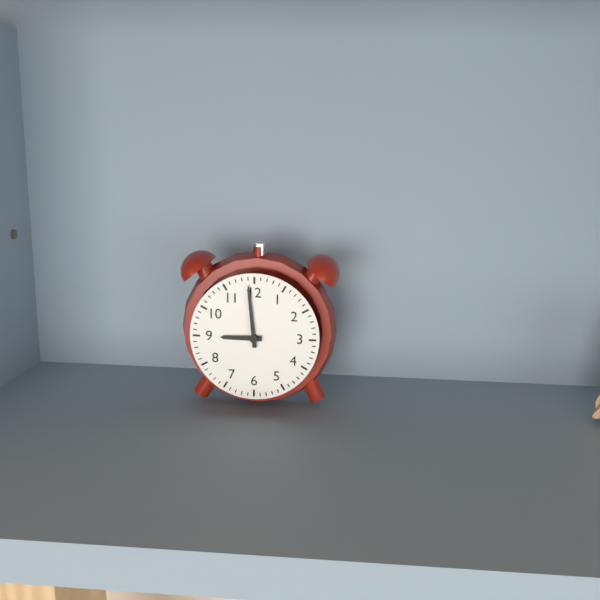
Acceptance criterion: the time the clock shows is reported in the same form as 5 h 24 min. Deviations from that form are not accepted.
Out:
8 h 59 min
